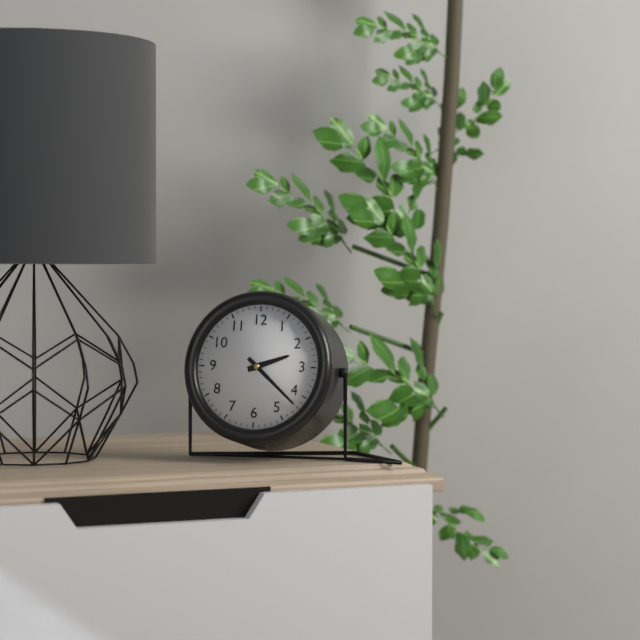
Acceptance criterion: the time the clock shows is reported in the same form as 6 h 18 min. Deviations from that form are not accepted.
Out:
2 h 22 min
